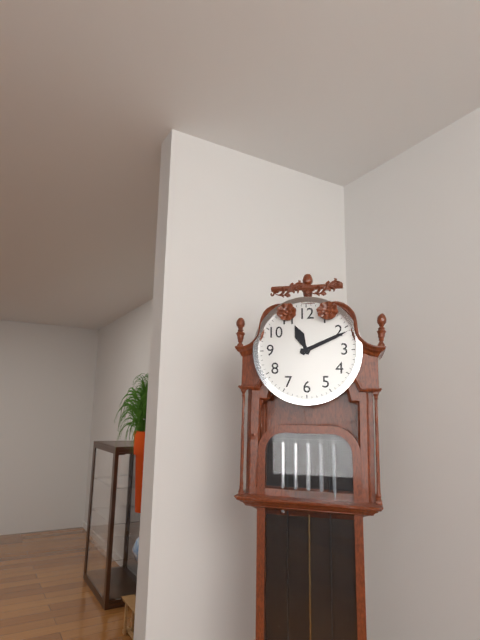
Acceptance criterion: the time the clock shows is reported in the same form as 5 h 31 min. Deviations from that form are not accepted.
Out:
11 h 11 min
